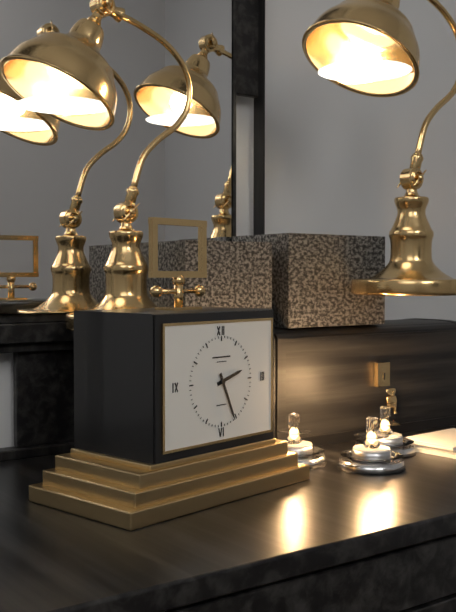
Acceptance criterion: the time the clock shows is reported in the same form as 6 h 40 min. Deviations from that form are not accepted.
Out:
2 h 26 min
